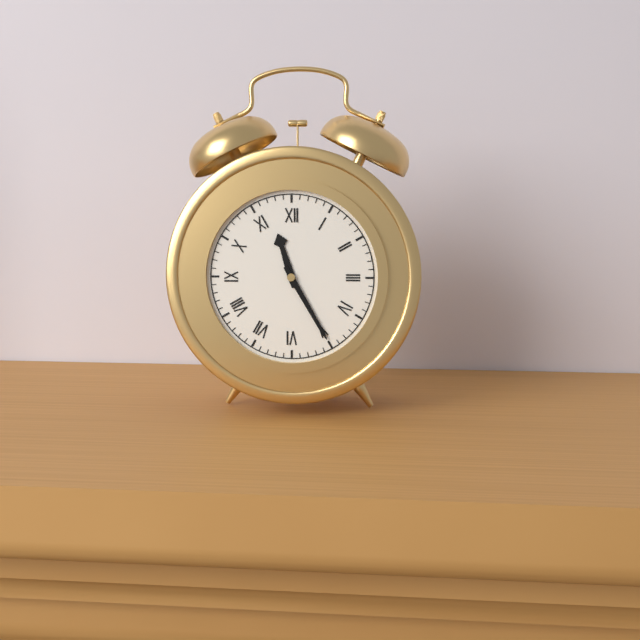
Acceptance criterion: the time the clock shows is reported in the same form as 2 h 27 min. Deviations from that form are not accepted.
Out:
11 h 25 min
